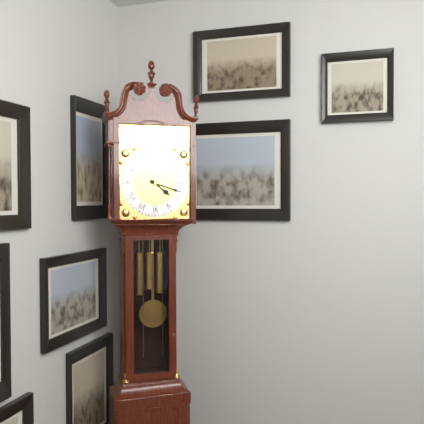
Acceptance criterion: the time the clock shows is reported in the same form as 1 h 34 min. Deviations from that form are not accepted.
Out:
4 h 18 min
